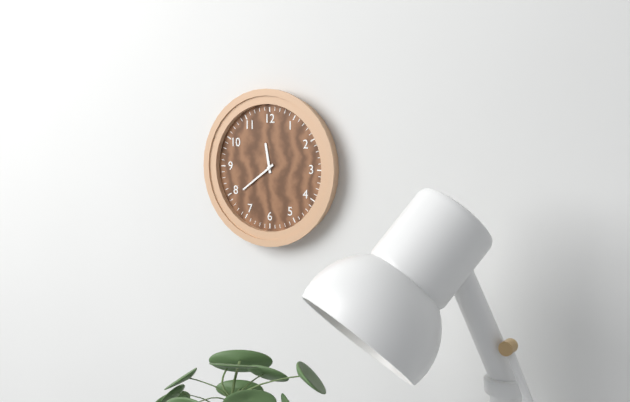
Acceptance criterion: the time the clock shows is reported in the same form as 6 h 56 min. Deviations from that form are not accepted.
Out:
11 h 39 min
